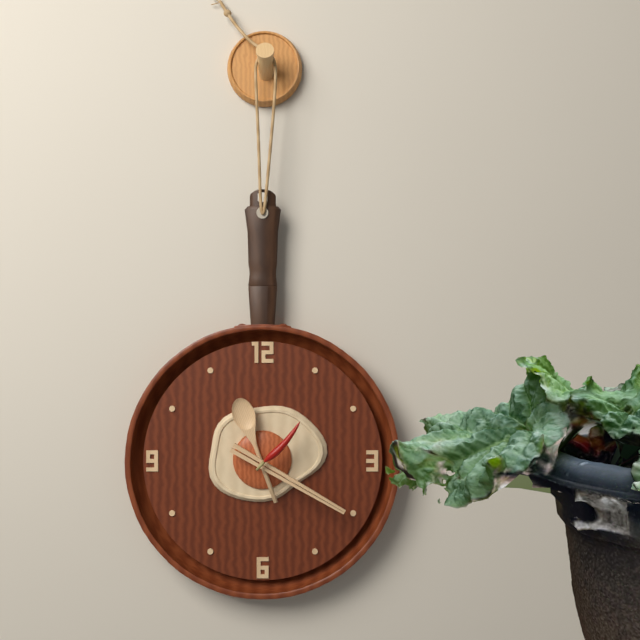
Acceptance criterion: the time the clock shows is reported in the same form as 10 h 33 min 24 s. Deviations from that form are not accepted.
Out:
11 h 20 min 07 s
